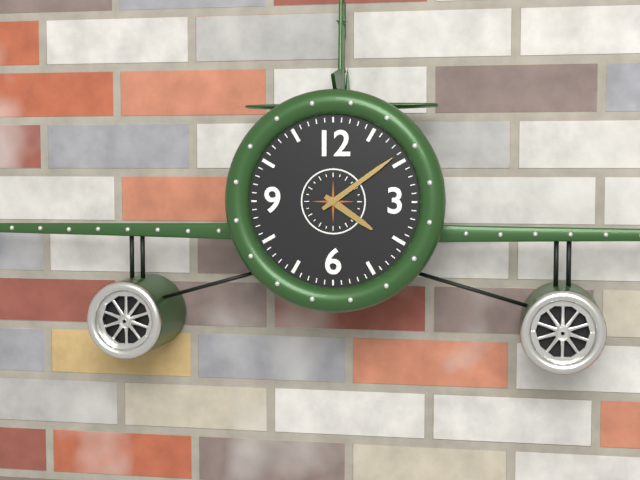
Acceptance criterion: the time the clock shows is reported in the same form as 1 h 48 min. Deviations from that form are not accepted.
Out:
4 h 09 min
